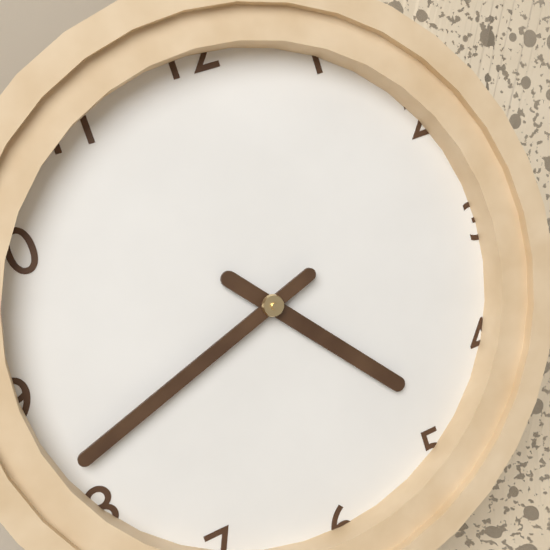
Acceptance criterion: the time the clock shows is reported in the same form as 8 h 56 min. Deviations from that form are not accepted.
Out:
4 h 42 min
